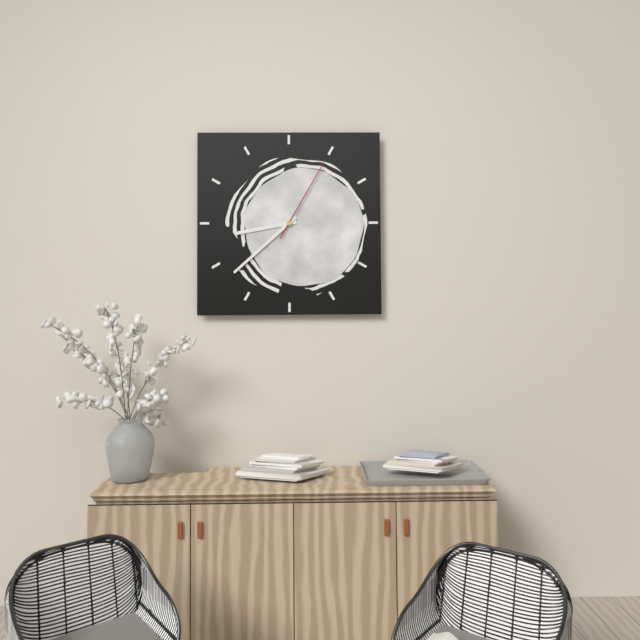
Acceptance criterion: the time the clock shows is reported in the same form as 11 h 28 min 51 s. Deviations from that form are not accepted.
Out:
8 h 38 min 05 s
